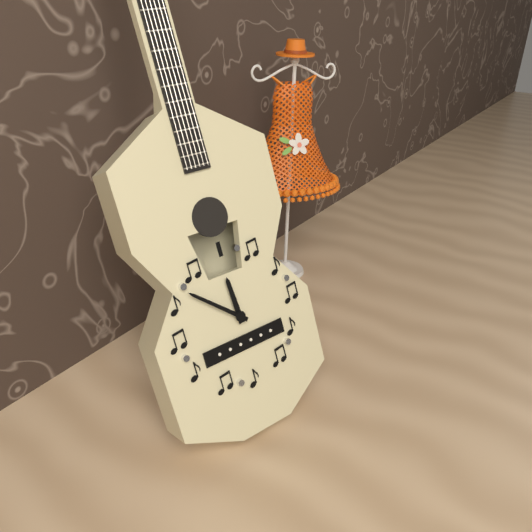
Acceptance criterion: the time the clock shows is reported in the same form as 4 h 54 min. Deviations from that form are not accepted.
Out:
11 h 52 min
